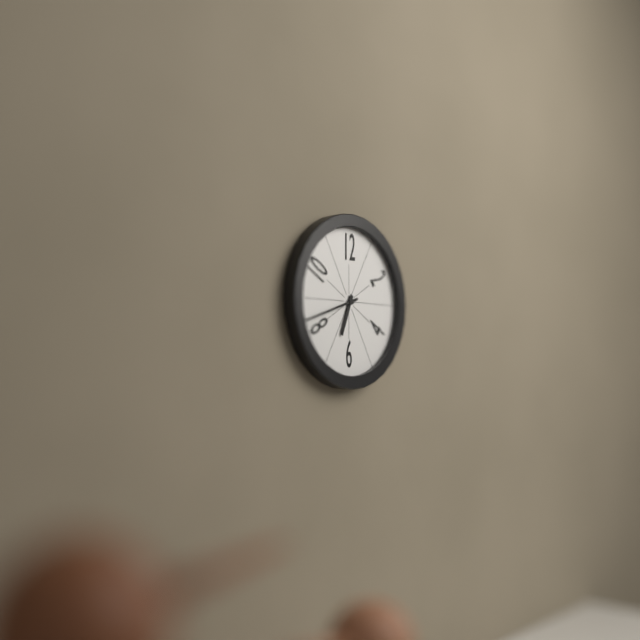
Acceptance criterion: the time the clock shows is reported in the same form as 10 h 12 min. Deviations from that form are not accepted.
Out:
6 h 42 min
